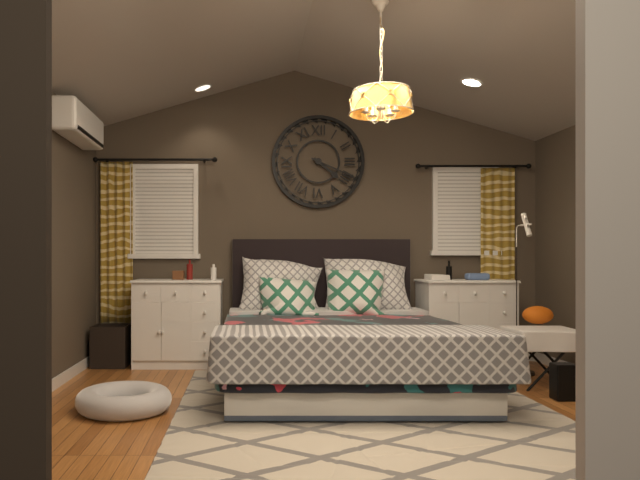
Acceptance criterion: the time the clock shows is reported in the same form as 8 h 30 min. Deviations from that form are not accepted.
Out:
4 h 19 min
